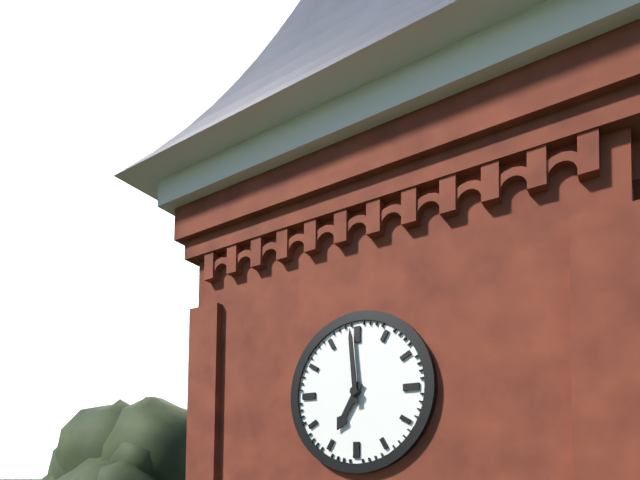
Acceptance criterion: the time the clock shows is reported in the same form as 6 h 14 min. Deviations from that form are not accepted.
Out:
6 h 59 min
